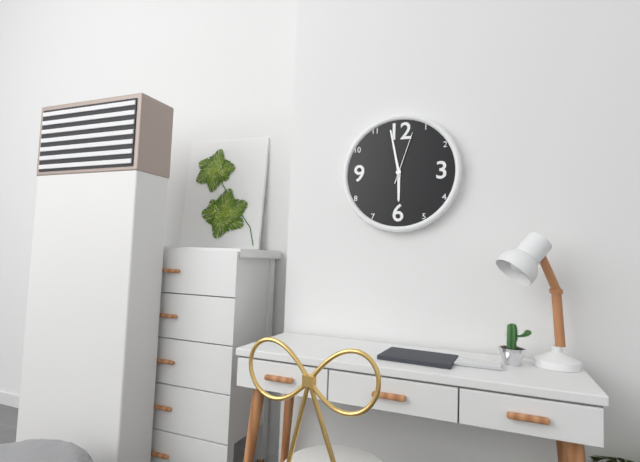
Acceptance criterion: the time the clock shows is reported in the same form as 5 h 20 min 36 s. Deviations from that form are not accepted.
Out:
5 h 58 min 03 s
